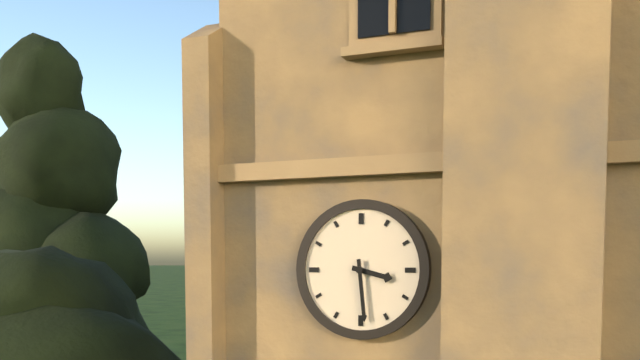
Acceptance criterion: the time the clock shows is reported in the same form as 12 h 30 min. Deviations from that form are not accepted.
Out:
3 h 29 min
